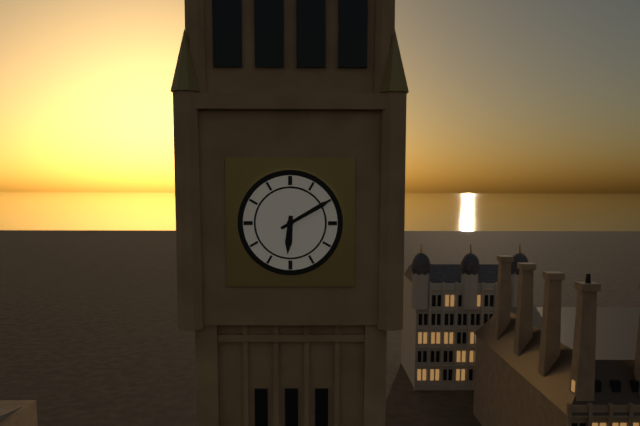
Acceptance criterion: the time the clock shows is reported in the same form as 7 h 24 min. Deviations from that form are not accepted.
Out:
6 h 10 min
